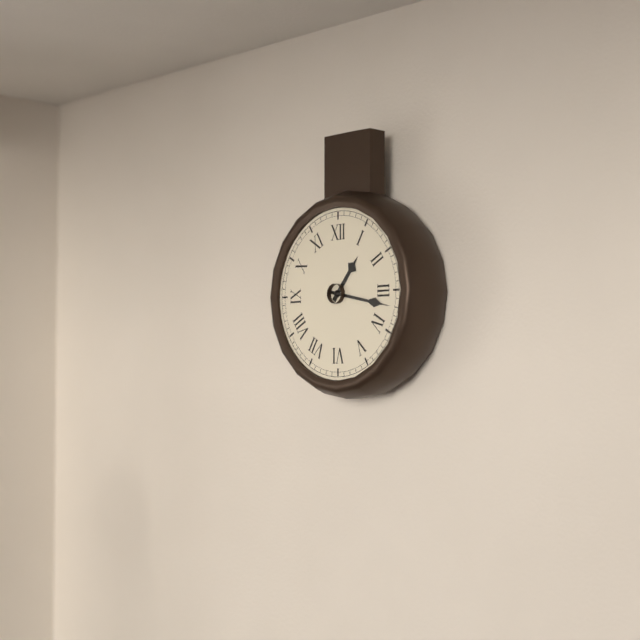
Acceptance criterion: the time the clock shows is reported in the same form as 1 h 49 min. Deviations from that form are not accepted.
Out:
1 h 17 min
